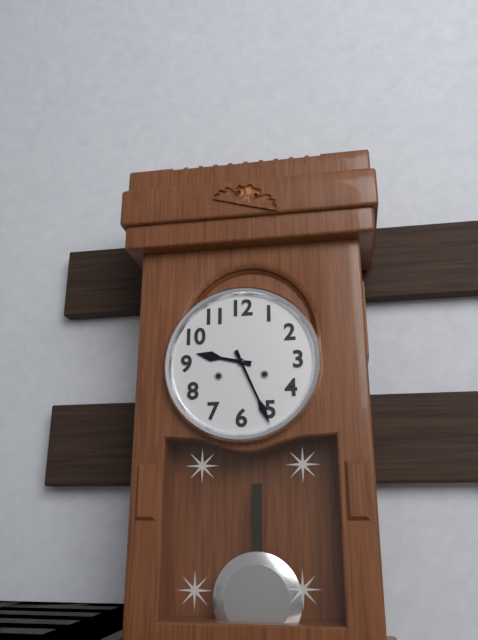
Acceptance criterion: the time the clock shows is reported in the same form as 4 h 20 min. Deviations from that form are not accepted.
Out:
9 h 26 min
